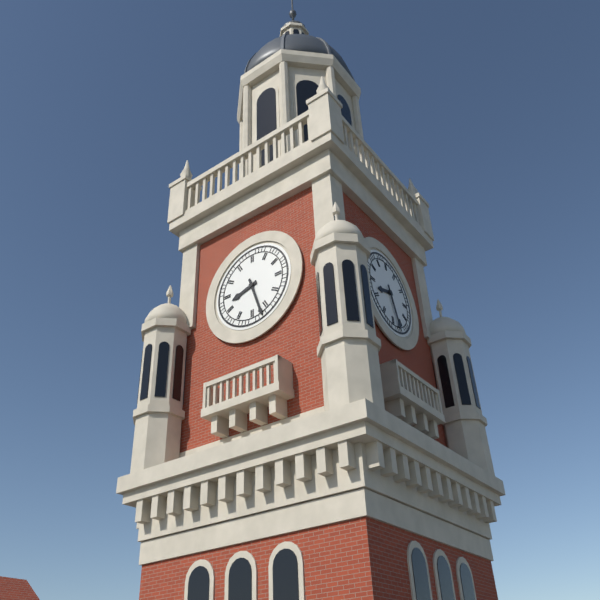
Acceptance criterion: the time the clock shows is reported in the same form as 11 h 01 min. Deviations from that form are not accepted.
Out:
8 h 27 min
